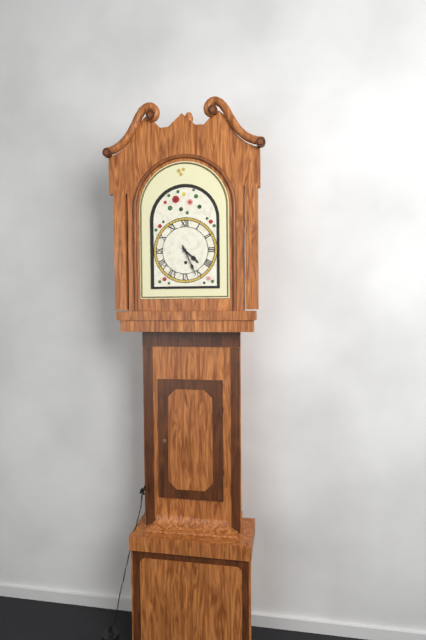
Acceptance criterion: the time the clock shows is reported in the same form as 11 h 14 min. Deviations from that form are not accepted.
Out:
4 h 26 min
